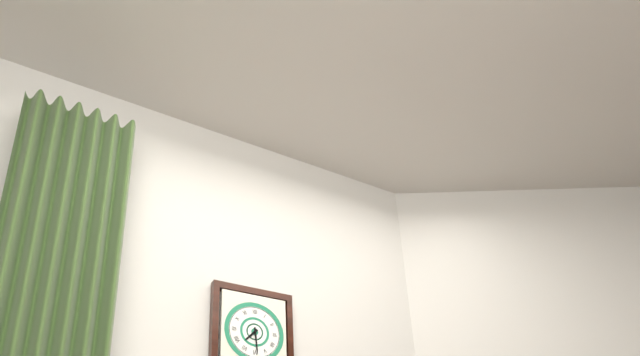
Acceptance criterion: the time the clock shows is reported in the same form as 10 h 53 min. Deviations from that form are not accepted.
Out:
7 h 29 min
